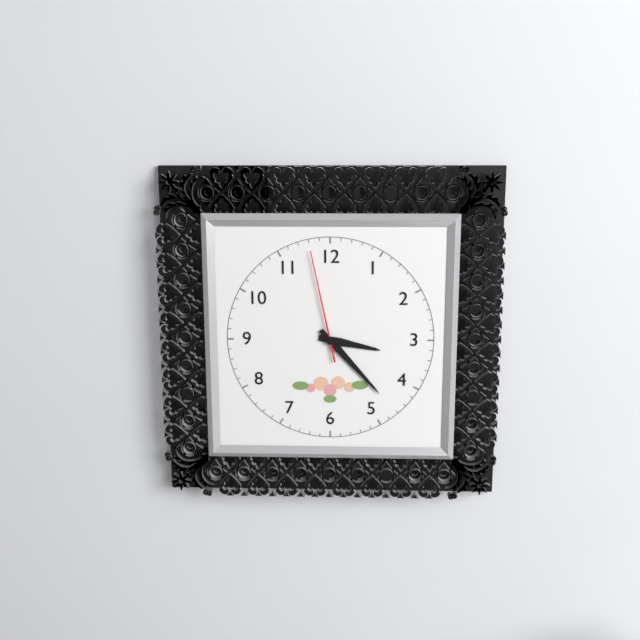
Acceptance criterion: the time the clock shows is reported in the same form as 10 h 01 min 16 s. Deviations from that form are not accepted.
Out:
3 h 23 min 58 s
